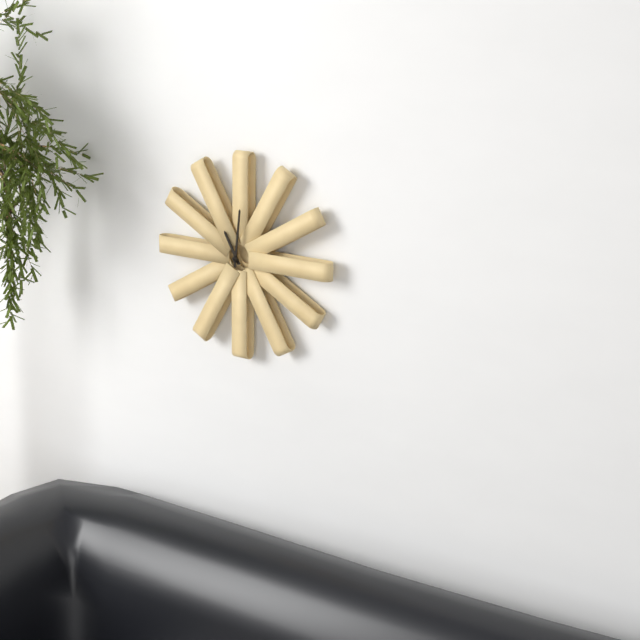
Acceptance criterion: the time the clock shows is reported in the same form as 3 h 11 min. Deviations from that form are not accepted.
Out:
11 h 01 min
